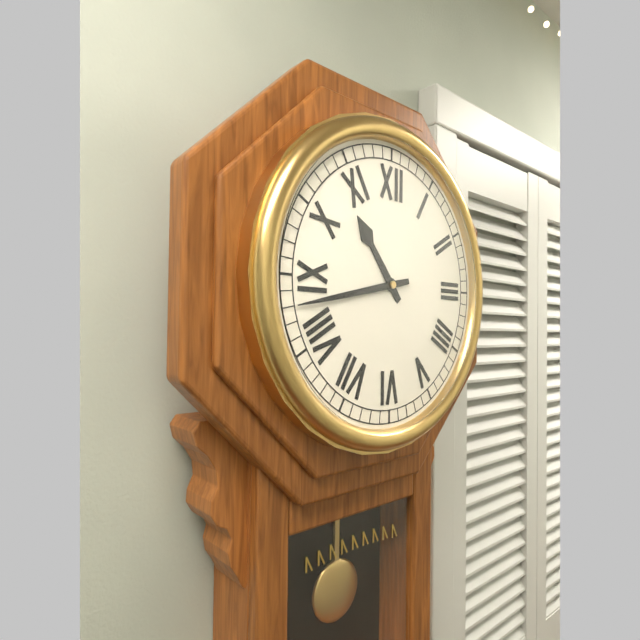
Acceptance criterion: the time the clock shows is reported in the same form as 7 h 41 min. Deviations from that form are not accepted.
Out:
10 h 43 min
